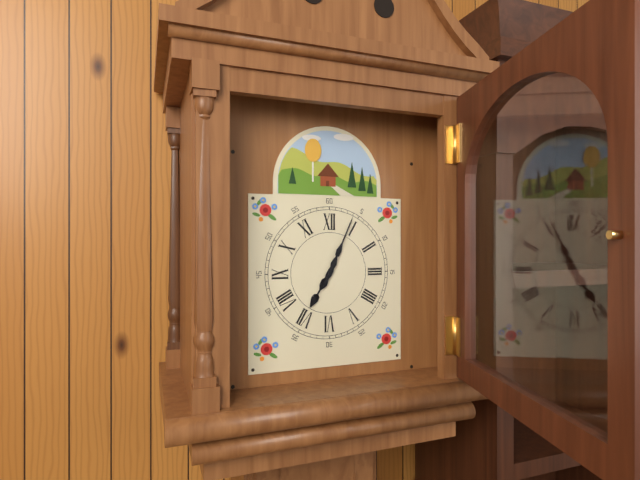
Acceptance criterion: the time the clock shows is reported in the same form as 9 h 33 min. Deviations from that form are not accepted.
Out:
7 h 04 min
